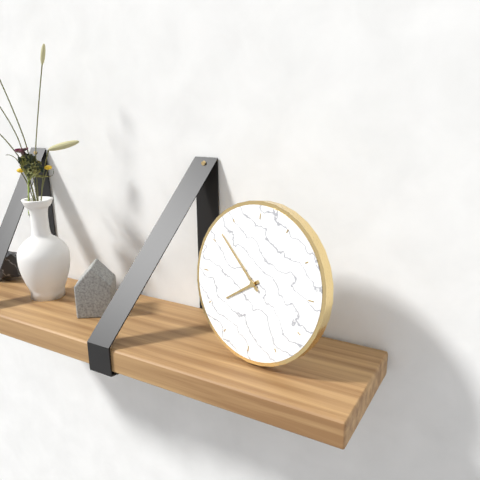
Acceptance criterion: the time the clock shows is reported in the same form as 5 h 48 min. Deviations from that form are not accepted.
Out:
7 h 52 min
